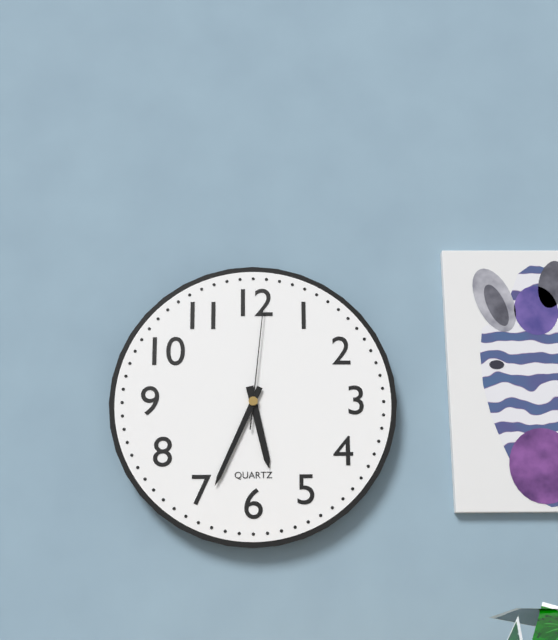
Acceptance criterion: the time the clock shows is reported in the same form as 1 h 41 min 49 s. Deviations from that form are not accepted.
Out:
5 h 34 min 01 s
